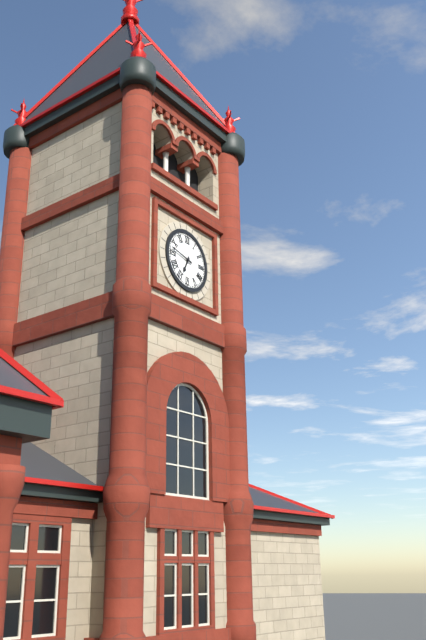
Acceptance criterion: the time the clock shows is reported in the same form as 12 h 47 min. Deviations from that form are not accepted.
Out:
6 h 47 min
